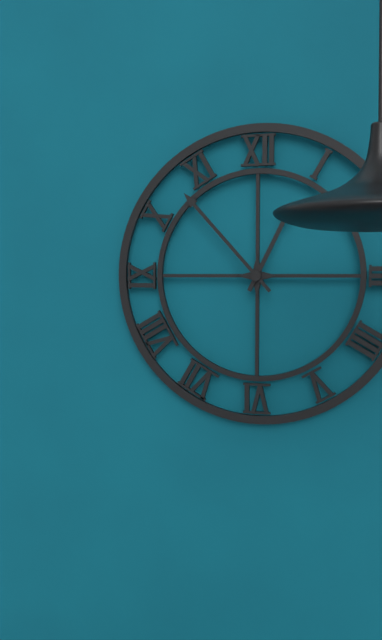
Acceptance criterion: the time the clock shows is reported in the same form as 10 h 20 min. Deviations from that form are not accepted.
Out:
12 h 53 min
